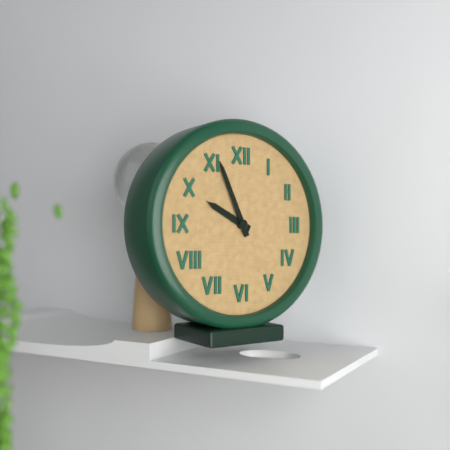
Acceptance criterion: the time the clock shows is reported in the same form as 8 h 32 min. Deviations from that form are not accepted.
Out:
9 h 56 min
